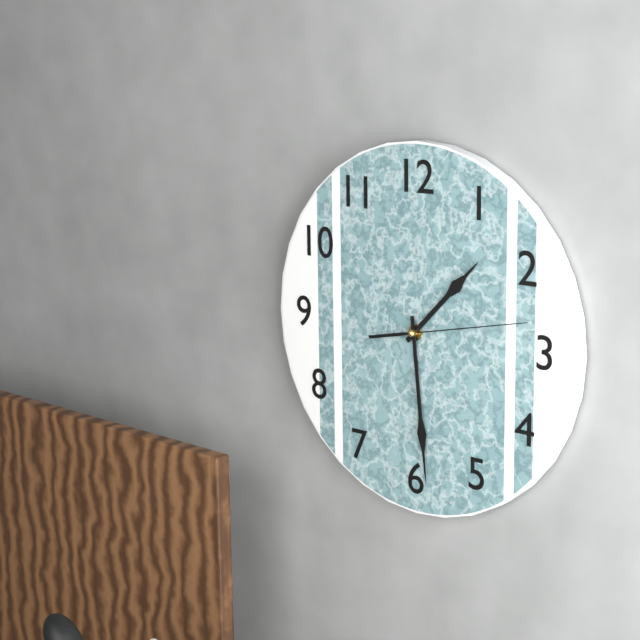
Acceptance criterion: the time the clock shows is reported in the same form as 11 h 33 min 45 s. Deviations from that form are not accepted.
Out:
1 h 29 min 13 s
